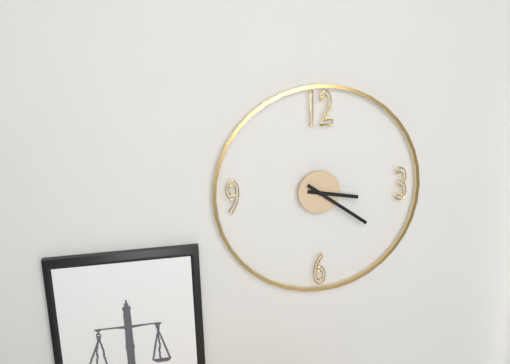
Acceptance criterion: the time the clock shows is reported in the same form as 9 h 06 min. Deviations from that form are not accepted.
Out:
3 h 21 min
